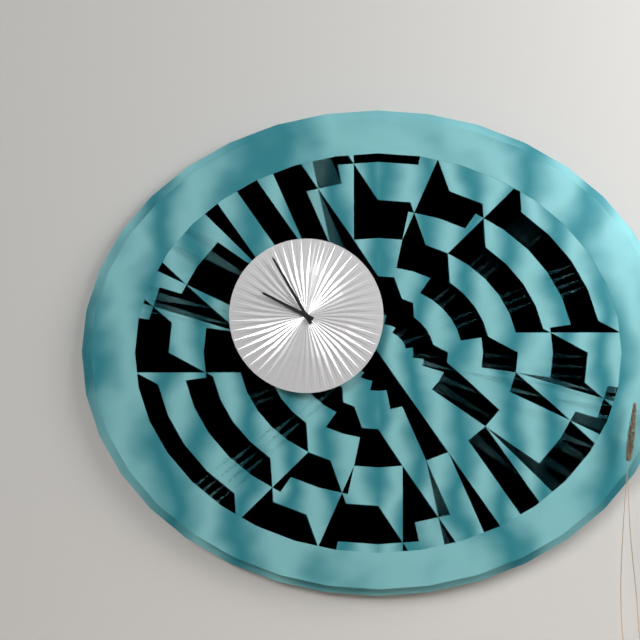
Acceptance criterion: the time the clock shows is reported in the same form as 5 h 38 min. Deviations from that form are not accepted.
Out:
9 h 55 min
